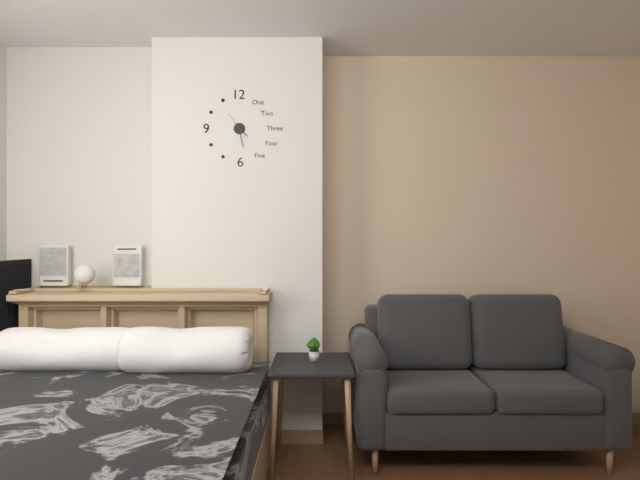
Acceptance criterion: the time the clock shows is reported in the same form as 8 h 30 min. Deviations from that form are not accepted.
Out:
4 h 28 min
